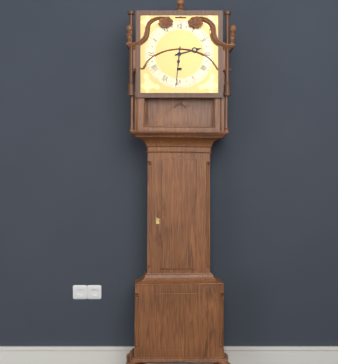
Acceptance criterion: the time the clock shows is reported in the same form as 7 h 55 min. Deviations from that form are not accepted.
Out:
2 h 31 min
